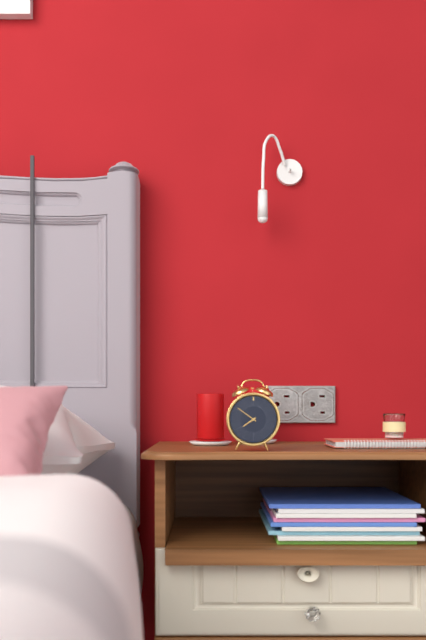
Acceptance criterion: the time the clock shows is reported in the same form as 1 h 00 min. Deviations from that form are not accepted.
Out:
7 h 51 min
